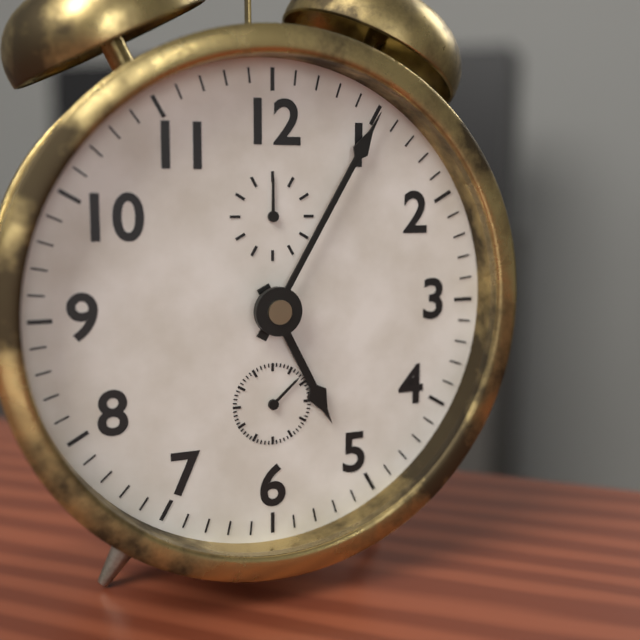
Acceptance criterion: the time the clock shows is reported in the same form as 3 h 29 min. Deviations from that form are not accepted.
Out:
5 h 05 min
